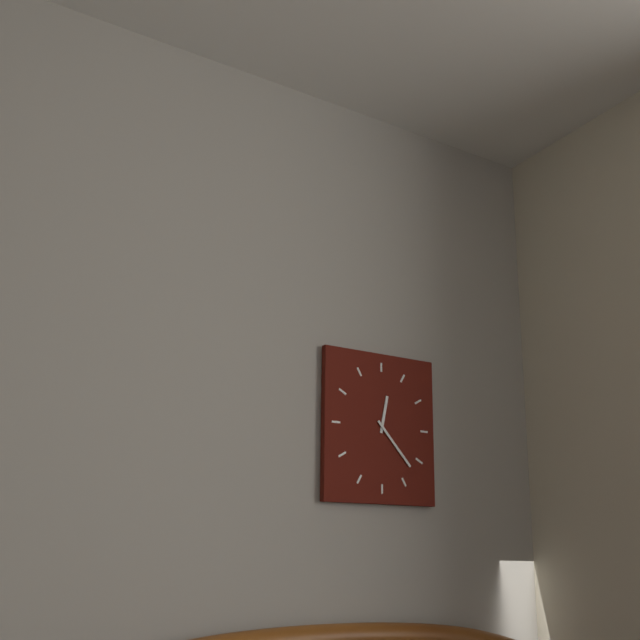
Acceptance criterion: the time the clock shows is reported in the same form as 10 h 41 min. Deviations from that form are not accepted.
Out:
12 h 23 min
